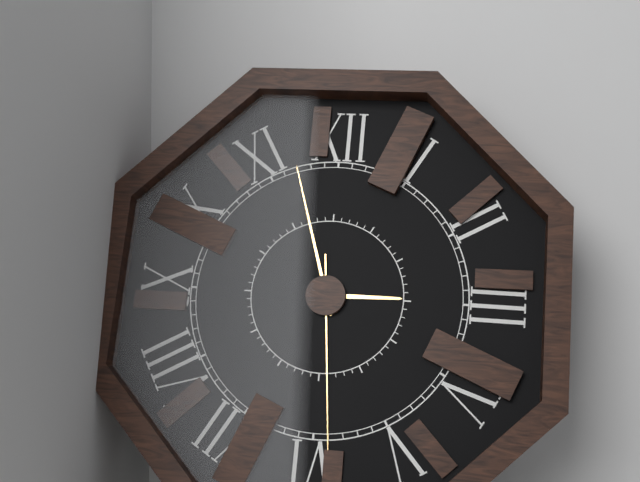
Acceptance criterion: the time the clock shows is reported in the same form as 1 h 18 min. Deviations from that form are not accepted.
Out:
2 h 57 min
